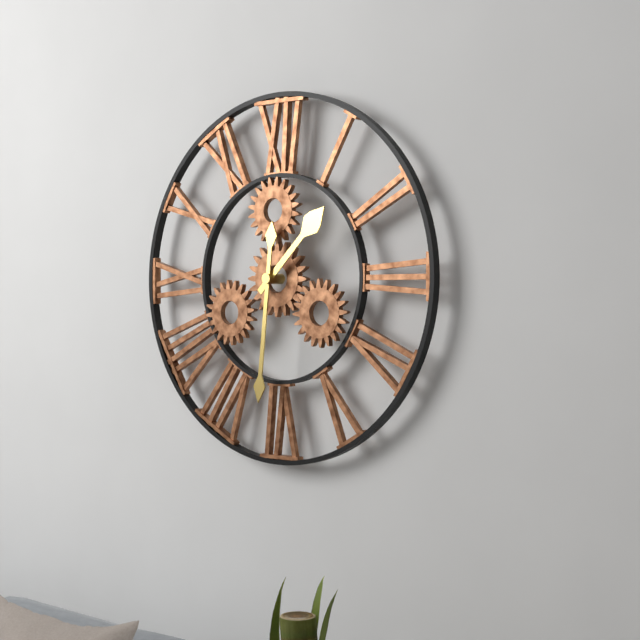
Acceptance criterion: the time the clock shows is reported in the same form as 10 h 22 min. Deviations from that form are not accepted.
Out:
1 h 31 min
